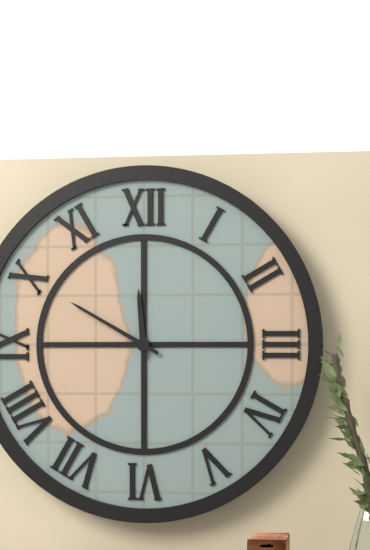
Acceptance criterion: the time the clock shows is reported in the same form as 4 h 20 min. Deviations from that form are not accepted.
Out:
11 h 50 min
